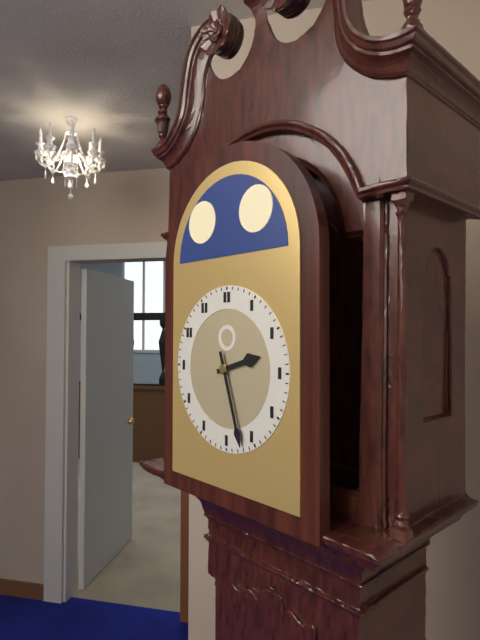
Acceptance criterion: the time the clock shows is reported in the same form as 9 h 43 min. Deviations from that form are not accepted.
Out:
2 h 27 min
